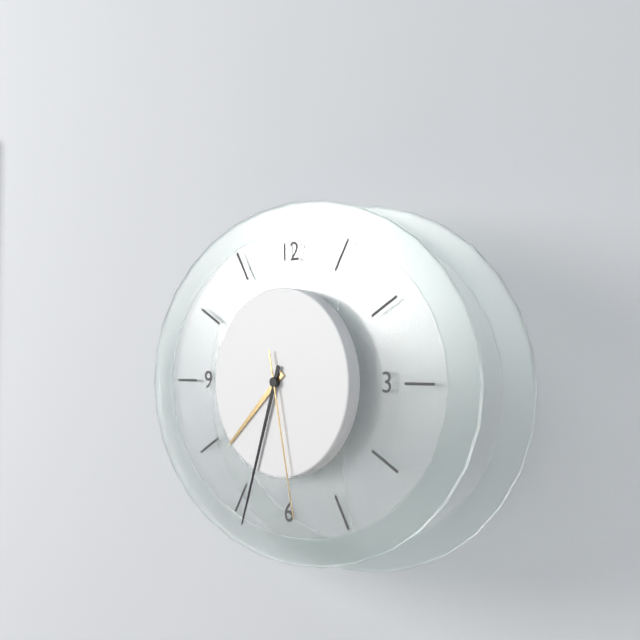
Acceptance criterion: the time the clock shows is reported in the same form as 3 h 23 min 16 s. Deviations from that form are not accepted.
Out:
7 h 33 min 28 s
